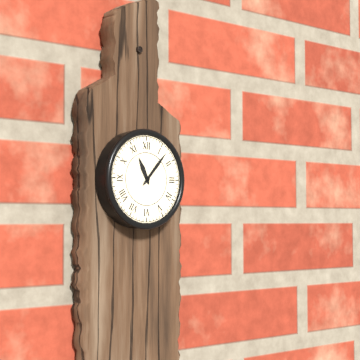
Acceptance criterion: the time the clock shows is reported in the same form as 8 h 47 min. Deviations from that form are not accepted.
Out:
11 h 07 min
